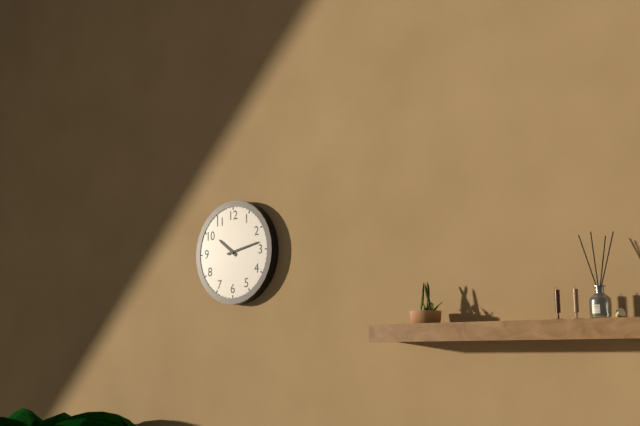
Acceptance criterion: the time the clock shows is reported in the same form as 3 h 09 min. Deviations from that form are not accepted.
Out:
10 h 13 min
